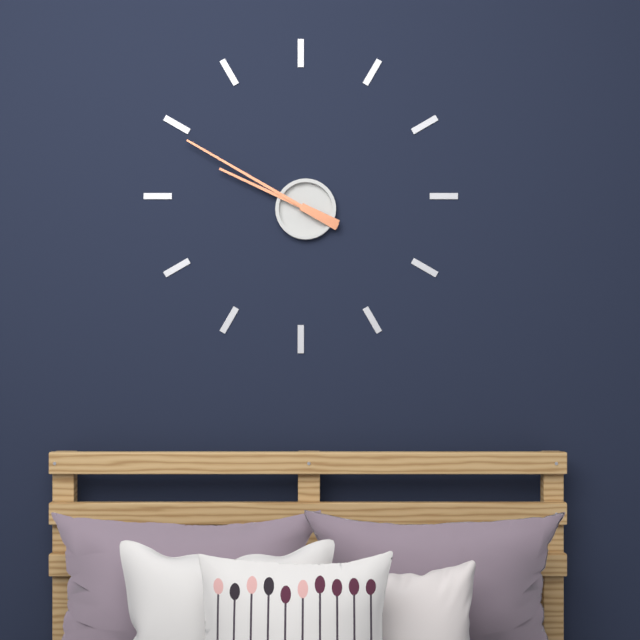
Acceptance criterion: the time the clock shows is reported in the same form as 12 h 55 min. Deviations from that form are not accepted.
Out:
9 h 50 min
